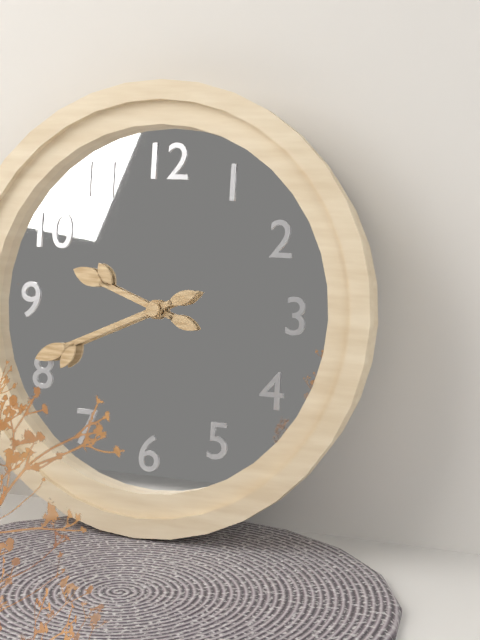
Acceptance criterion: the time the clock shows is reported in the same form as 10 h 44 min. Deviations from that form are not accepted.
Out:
9 h 41 min
